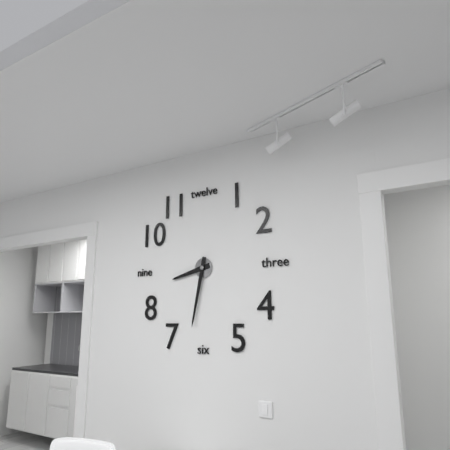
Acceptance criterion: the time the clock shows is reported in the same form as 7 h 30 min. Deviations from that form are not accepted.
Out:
8 h 32 min
